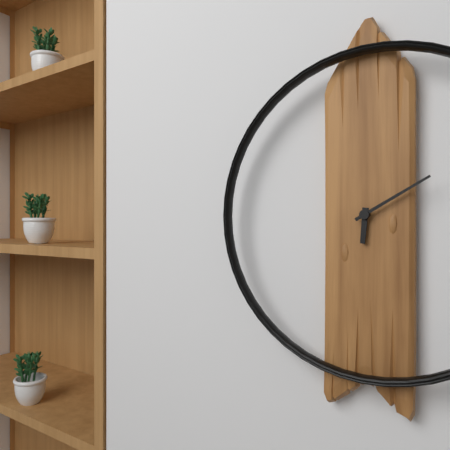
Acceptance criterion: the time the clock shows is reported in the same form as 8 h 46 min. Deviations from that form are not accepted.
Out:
6 h 10 min
